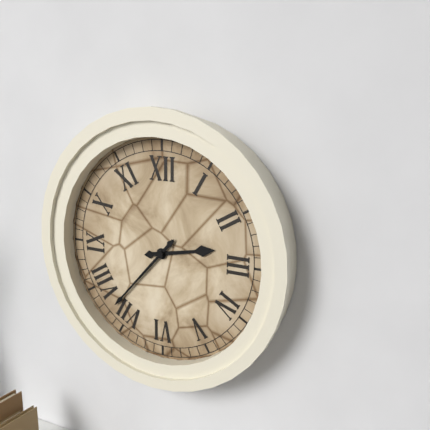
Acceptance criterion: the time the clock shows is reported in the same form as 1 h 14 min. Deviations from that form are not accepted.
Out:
2 h 37 min
